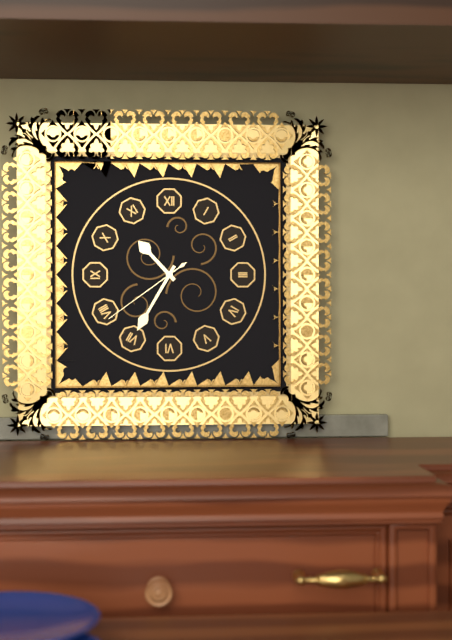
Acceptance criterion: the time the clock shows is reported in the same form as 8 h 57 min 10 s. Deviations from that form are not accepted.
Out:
10 h 35 min 39 s
